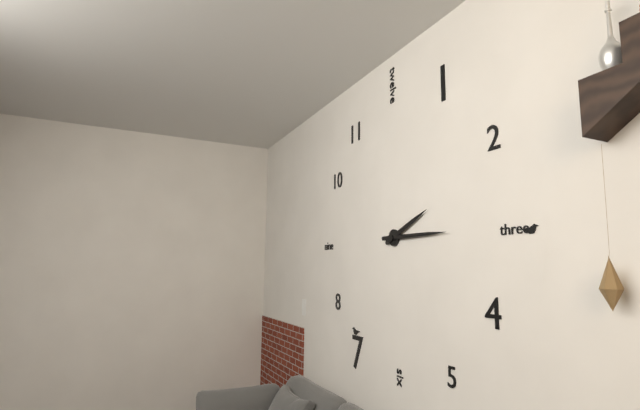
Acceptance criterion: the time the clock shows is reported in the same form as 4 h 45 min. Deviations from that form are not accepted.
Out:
2 h 15 min
